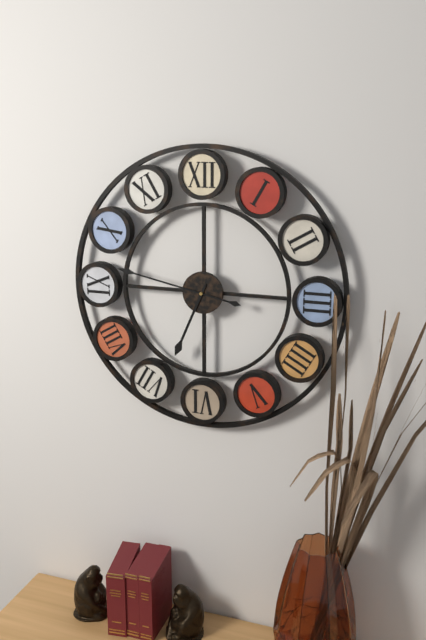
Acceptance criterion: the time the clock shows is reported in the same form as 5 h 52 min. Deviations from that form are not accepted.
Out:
6 h 47 min
